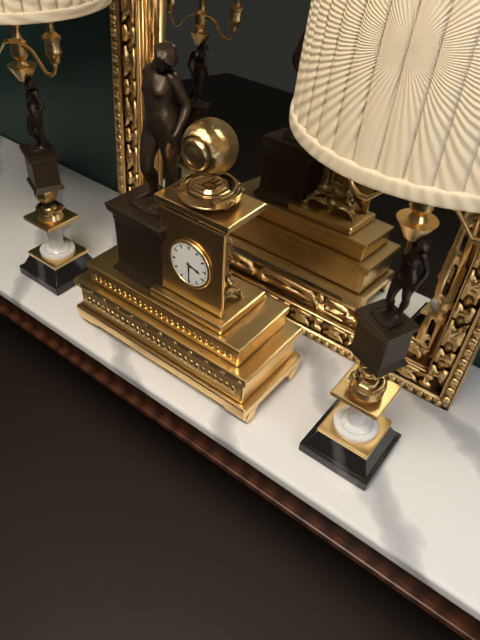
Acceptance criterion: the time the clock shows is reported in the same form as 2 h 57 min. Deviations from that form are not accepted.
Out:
3 h 30 min
